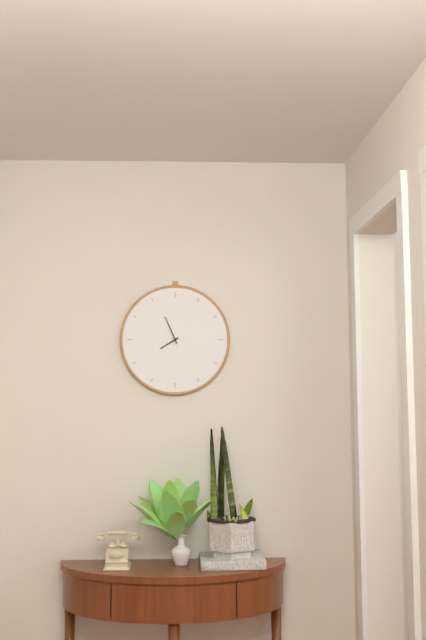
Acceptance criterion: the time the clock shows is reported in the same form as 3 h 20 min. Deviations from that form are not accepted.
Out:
7 h 56 min
